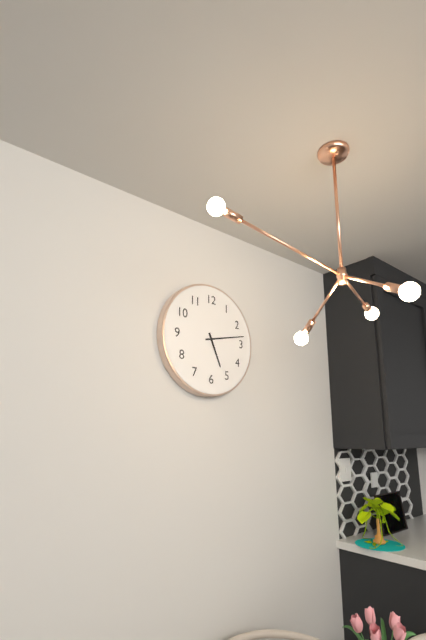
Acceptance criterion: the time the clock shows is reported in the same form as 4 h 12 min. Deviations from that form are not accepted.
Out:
5 h 13 min
